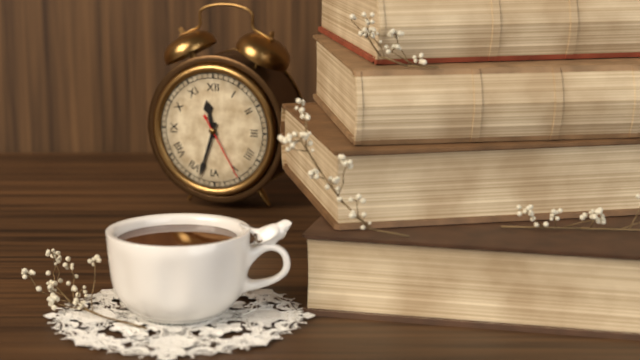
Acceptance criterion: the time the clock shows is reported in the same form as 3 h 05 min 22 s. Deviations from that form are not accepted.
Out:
11 h 33 min 25 s
